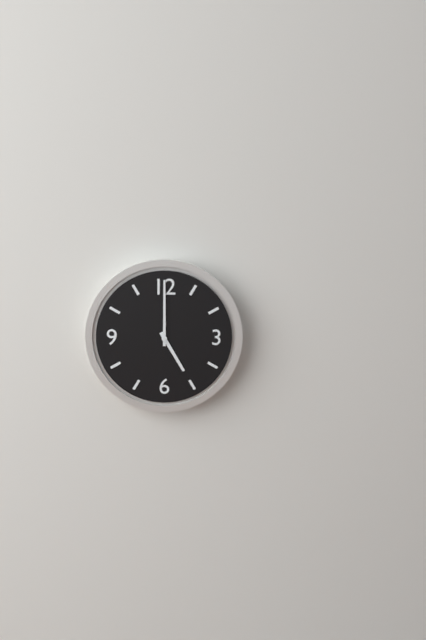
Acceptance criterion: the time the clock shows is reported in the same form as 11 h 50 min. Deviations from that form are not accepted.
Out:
5 h 00 min
